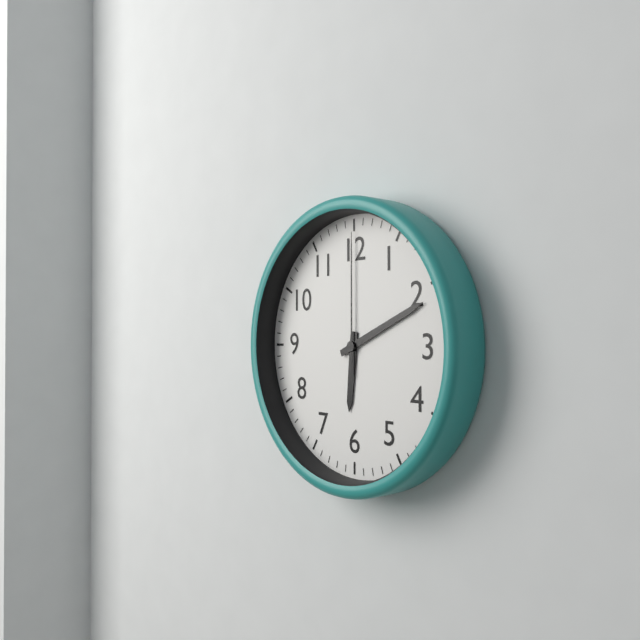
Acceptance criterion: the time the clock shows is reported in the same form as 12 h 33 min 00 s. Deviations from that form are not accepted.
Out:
6 h 11 min 00 s
